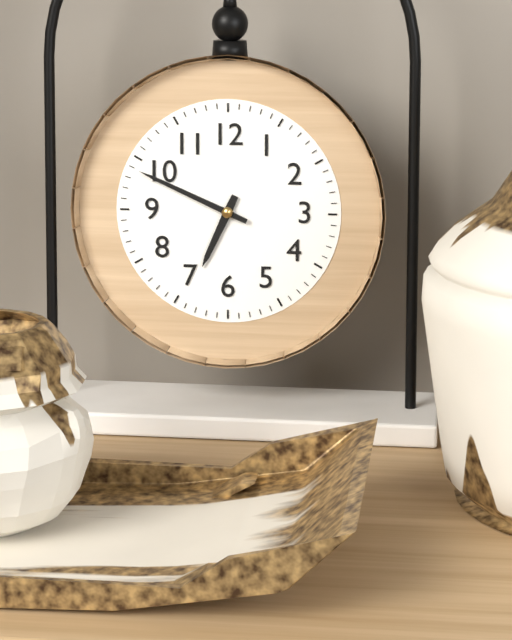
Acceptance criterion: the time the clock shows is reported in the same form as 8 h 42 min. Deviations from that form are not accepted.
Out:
6 h 49 min
